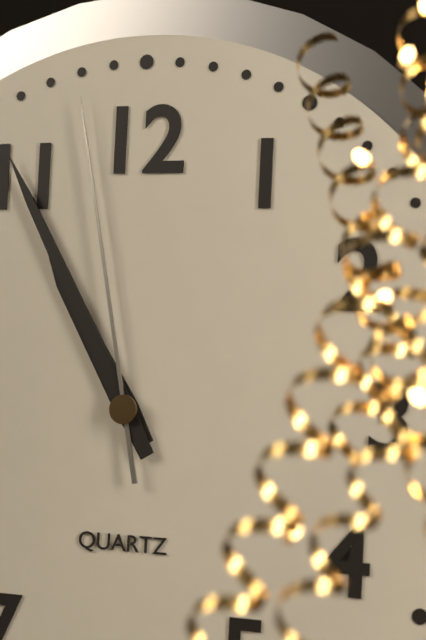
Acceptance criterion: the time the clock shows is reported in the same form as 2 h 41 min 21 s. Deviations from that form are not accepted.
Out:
10 h 55 min 58 s
